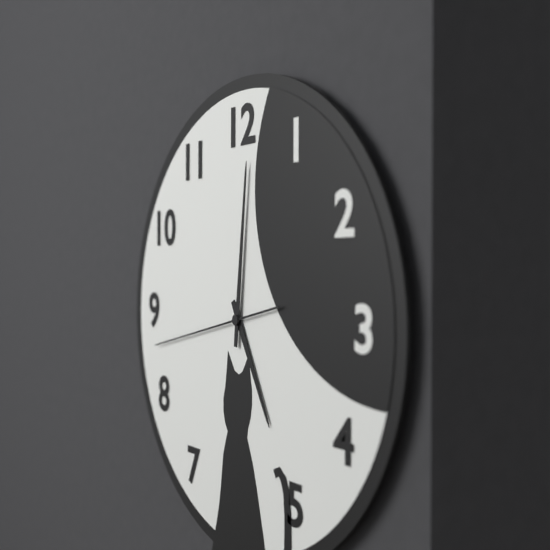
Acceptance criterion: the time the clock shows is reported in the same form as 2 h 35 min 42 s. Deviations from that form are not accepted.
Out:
5 h 01 min 43 s
